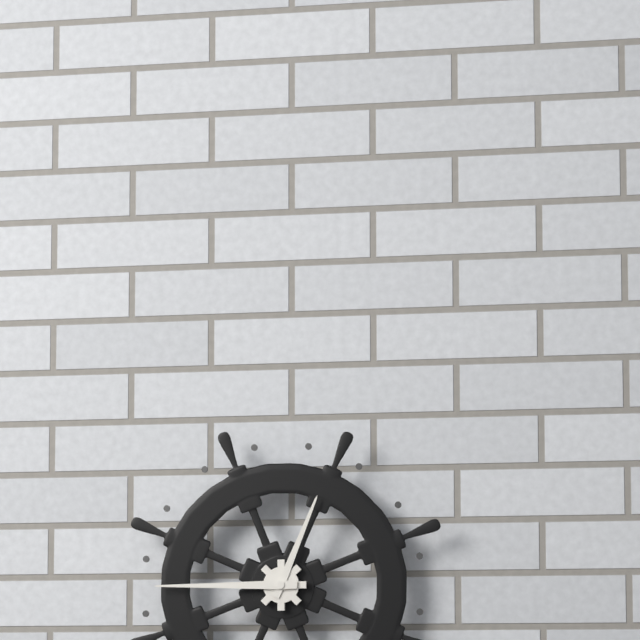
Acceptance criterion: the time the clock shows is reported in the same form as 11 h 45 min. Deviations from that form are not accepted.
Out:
12 h 45 min
